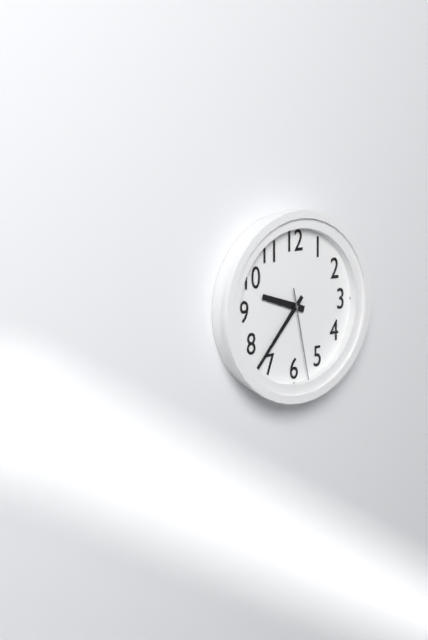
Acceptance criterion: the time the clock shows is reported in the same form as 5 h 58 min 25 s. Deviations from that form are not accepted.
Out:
9 h 37 min 28 s
